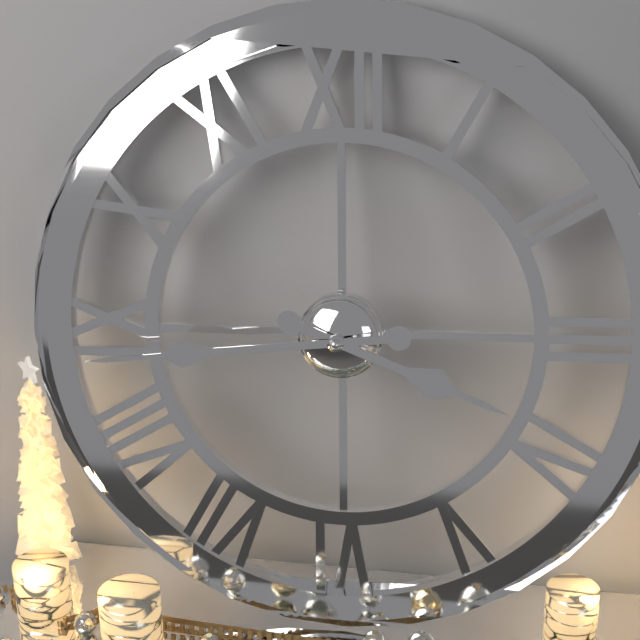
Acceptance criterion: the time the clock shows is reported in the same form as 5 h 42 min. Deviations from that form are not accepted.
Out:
3 h 44 min
